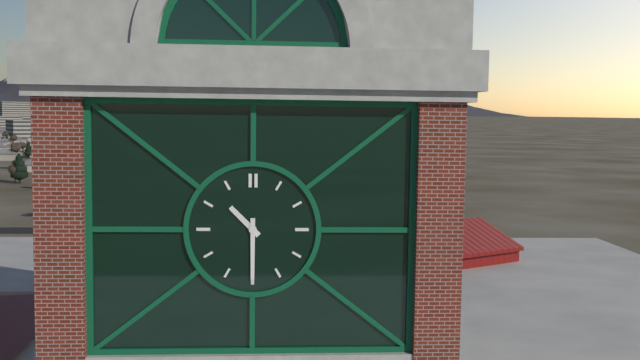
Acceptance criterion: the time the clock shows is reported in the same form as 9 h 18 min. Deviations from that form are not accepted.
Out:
10 h 30 min
